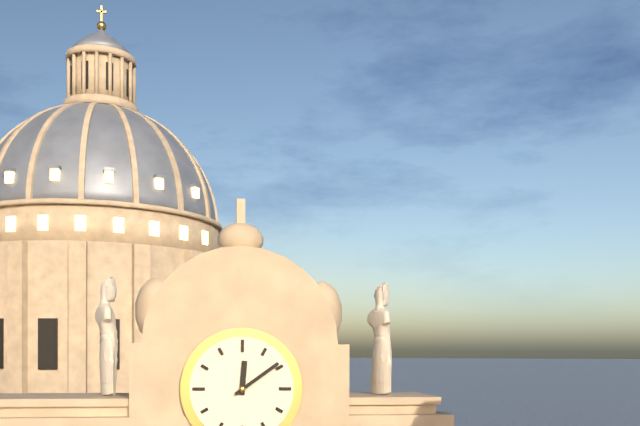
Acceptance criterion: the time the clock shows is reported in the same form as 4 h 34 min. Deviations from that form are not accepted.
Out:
12 h 09 min
